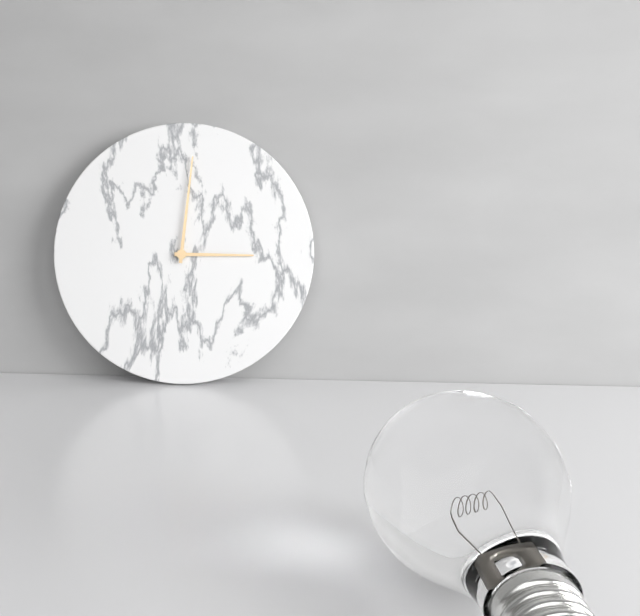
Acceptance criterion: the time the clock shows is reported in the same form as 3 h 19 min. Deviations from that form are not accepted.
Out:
3 h 01 min
